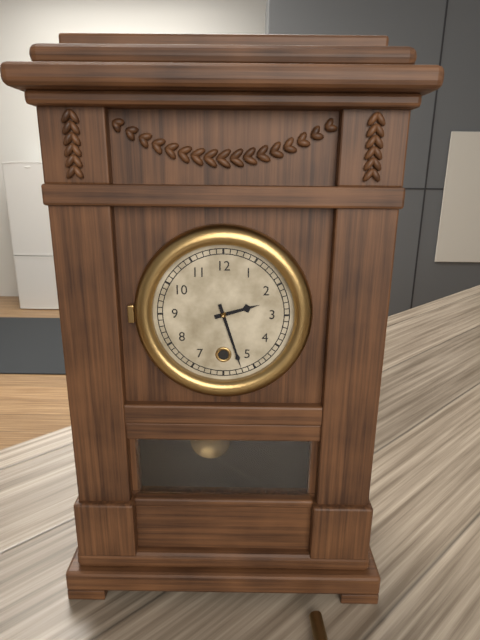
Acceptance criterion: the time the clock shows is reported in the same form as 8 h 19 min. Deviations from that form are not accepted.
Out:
2 h 27 min
